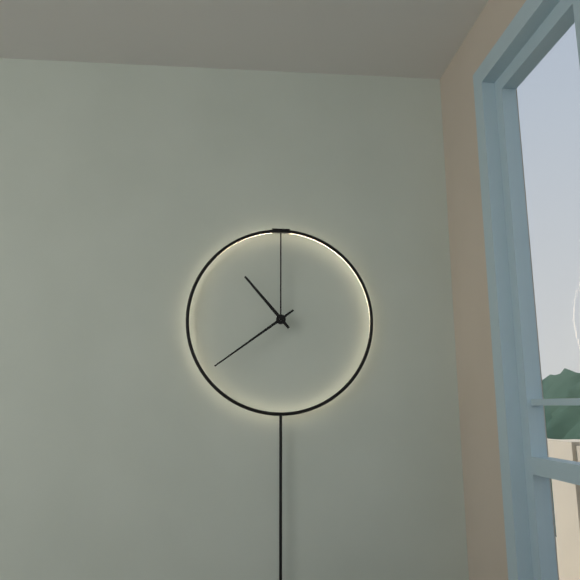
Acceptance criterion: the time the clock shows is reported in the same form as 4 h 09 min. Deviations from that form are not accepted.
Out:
10 h 39 min
